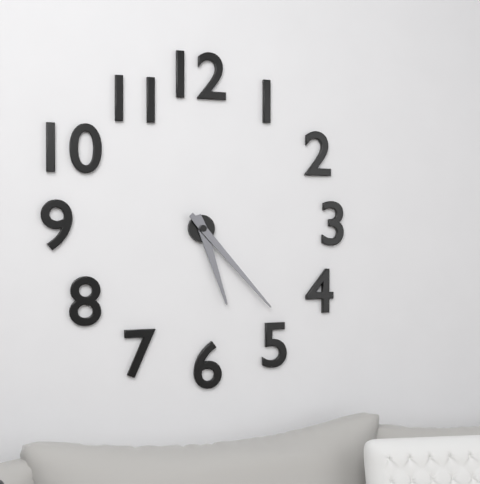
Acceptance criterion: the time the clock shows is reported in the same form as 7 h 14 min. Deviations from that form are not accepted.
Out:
5 h 23 min
